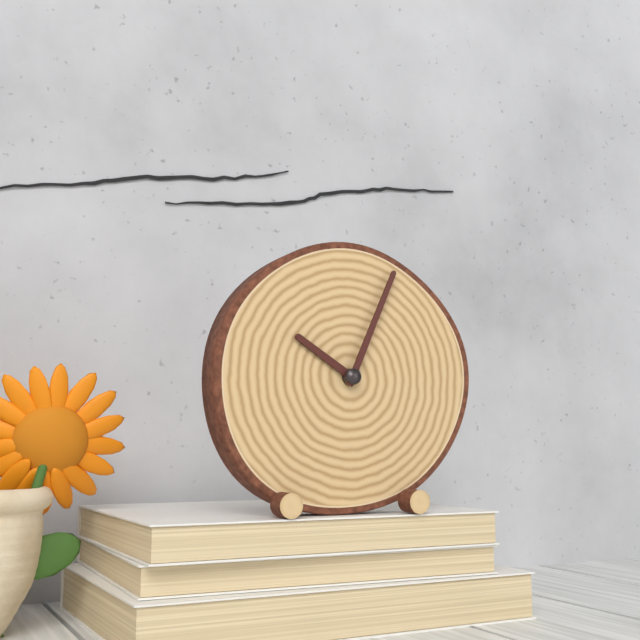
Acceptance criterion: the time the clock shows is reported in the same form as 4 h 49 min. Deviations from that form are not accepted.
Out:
10 h 04 min
